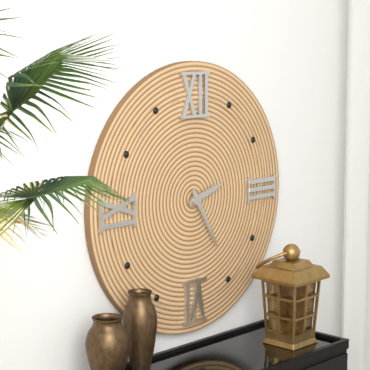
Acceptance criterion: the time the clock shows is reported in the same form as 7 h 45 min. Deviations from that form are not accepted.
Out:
2 h 25 min
